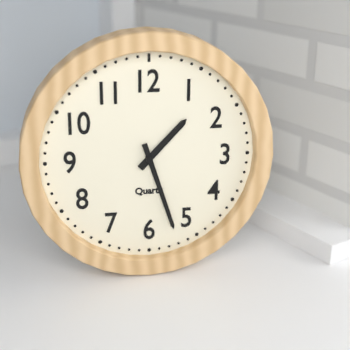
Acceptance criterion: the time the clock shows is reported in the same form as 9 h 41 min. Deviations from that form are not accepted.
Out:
1 h 27 min
